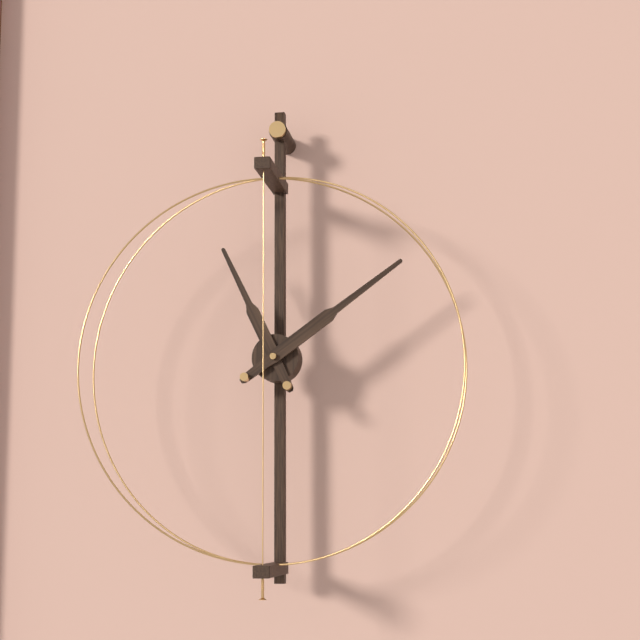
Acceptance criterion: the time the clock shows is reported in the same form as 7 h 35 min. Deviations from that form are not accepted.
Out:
11 h 09 min
